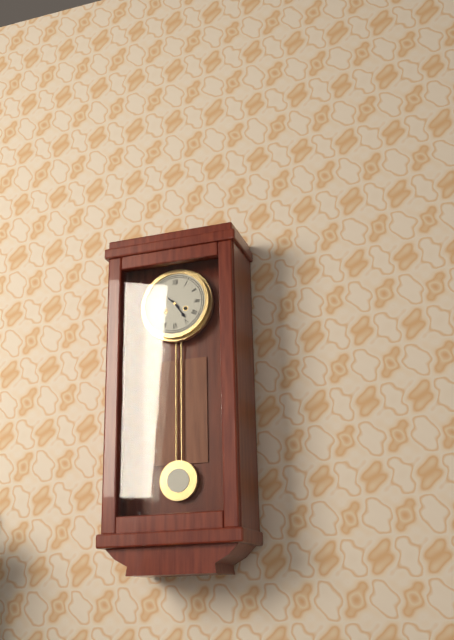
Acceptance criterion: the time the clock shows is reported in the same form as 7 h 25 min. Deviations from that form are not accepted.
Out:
4 h 52 min
